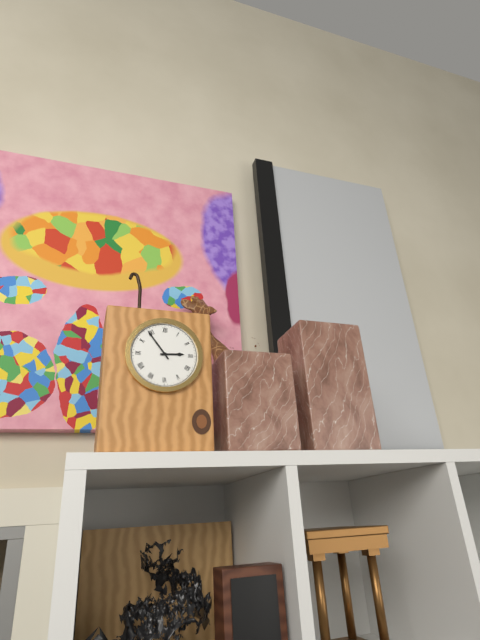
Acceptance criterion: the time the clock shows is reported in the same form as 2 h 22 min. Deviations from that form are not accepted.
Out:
2 h 54 min
